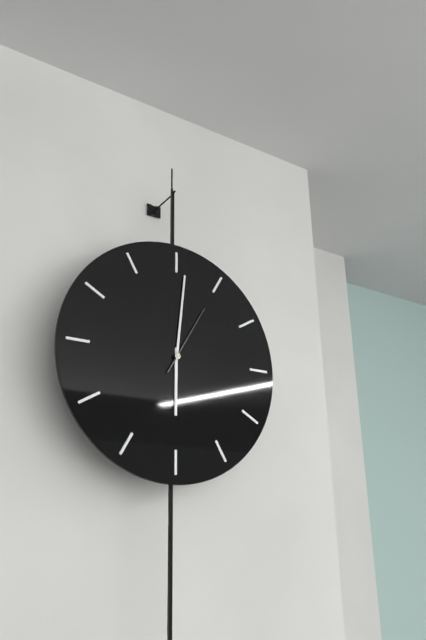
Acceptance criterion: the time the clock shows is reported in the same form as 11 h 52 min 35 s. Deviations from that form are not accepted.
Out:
6 h 01 min 05 s
